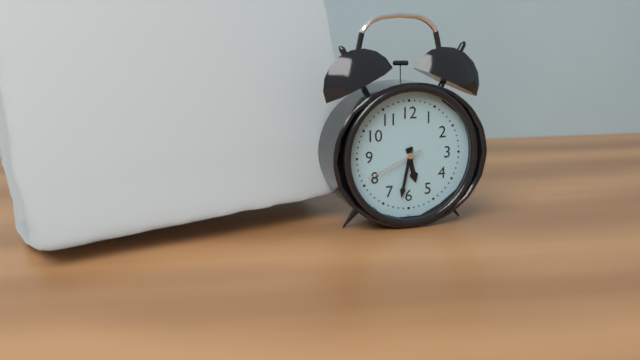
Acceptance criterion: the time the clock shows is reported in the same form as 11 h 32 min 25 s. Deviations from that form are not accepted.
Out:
5 h 32 min 41 s
